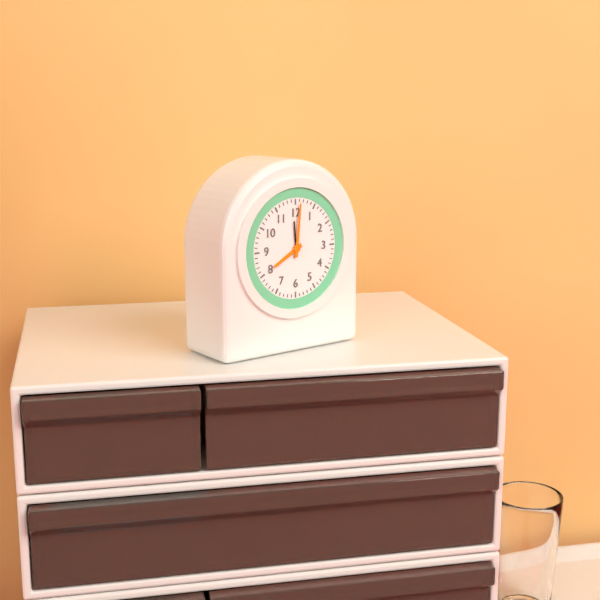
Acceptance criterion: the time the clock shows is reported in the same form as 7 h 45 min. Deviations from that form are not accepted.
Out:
8 h 01 min
